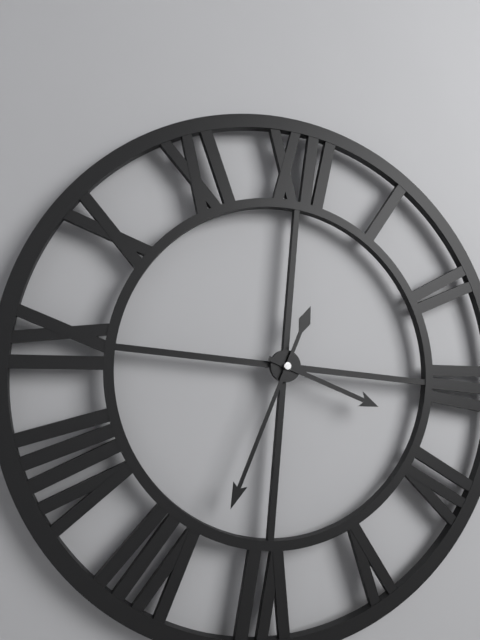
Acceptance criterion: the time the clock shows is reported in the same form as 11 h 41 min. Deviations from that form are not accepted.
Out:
3 h 33 min
